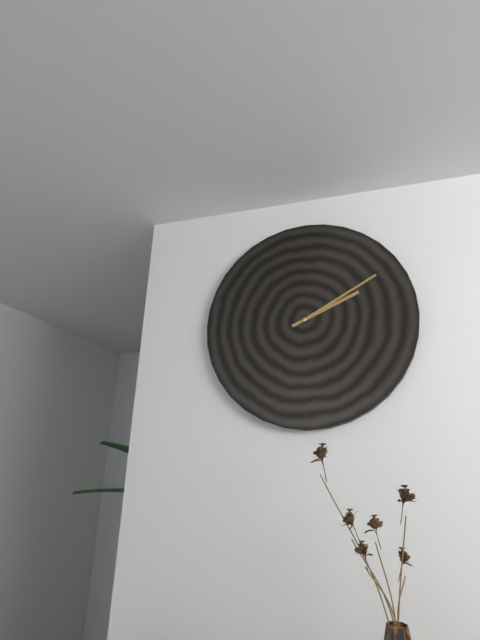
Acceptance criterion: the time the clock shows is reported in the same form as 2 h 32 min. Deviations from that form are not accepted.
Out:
2 h 10 min
